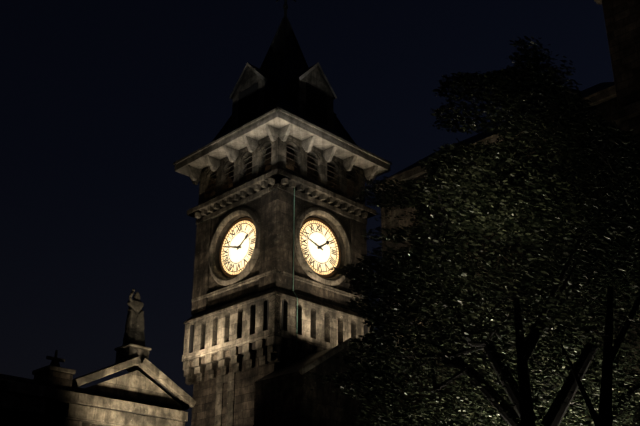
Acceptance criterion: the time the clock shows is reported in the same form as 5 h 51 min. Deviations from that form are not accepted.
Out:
1 h 48 min
